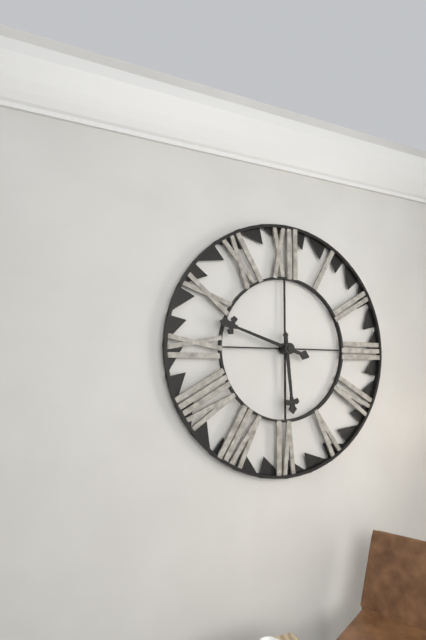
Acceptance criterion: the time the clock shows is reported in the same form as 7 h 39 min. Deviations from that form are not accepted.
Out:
5 h 48 min
